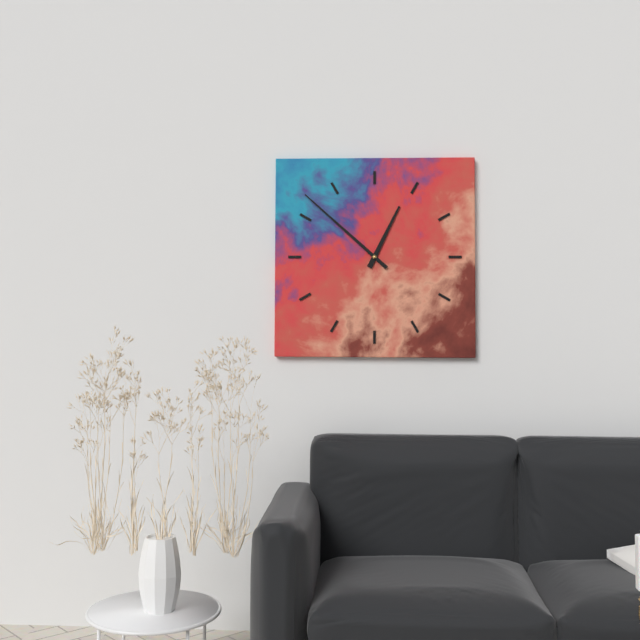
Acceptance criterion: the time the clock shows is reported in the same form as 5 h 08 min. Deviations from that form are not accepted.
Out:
12 h 52 min
